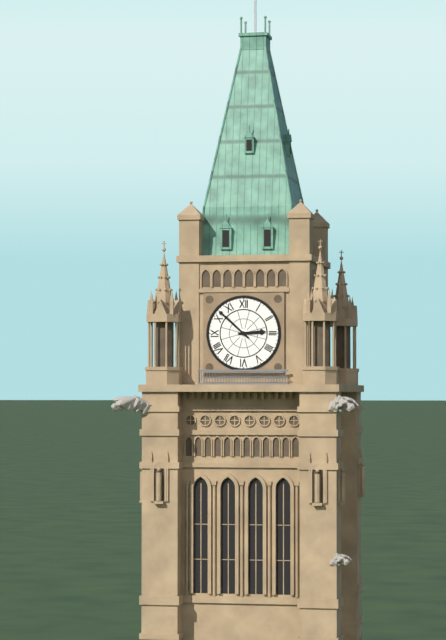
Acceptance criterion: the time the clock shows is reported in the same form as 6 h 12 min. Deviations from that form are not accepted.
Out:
2 h 52 min
